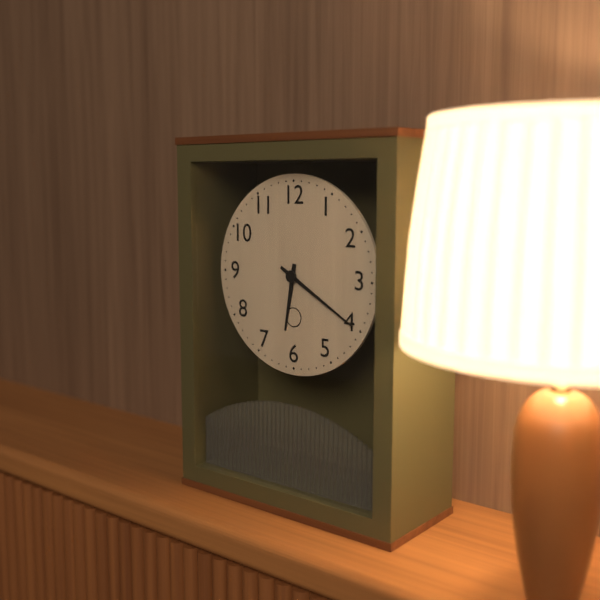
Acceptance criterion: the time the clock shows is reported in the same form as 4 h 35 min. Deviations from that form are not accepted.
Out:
6 h 20 min
